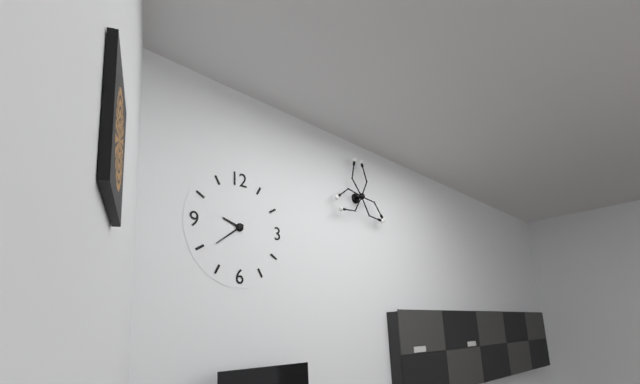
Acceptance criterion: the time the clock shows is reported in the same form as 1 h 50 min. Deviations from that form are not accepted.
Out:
9 h 39 min
